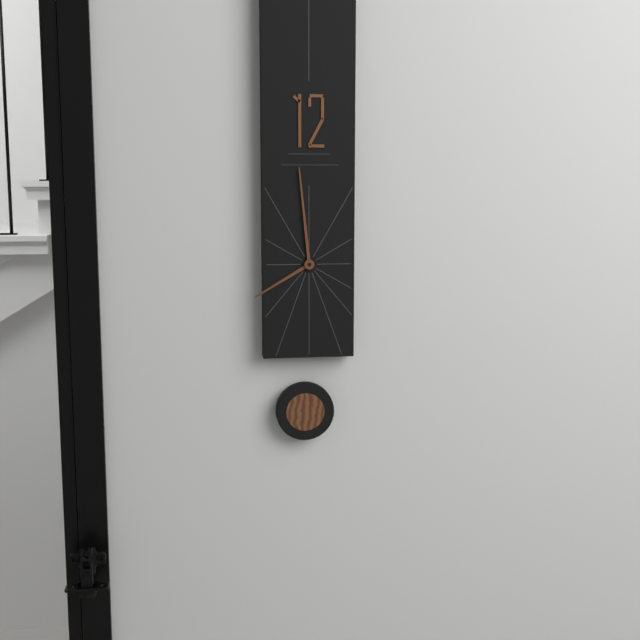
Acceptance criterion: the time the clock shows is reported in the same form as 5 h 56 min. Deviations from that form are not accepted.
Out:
7 h 59 min
